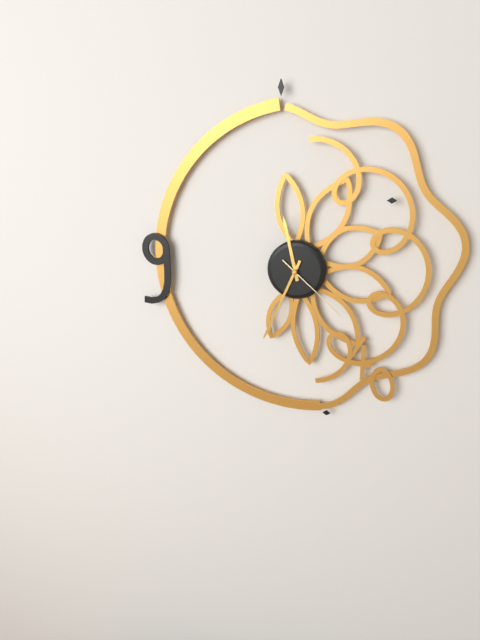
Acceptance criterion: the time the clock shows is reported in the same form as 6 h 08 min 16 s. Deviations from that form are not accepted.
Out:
11 h 34 min 22 s
